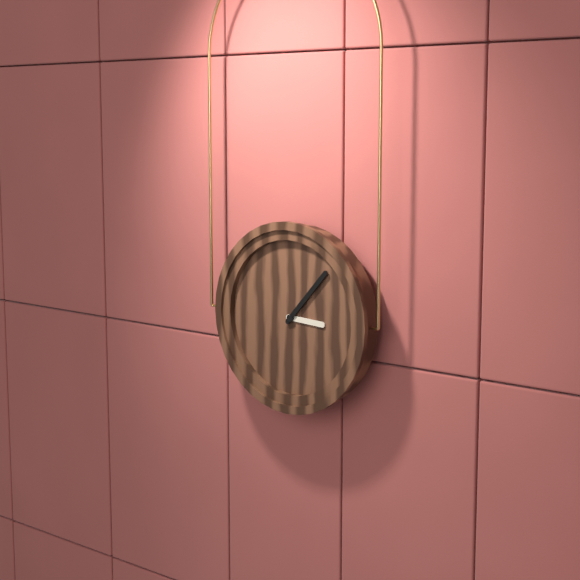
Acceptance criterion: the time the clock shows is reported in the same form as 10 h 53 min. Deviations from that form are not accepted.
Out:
3 h 07 min
